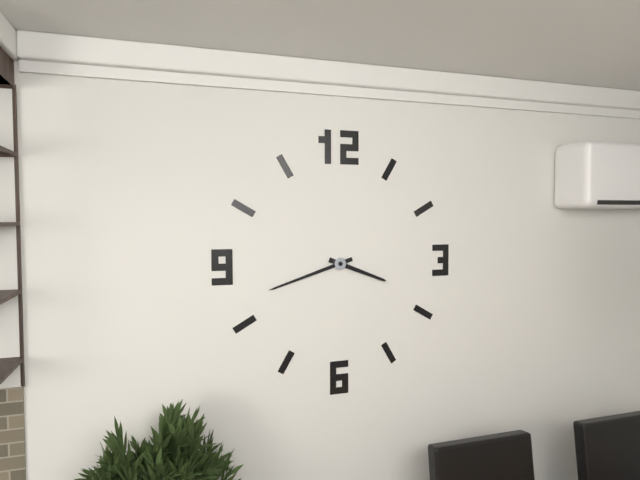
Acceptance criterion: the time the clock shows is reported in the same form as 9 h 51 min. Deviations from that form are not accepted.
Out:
3 h 42 min
